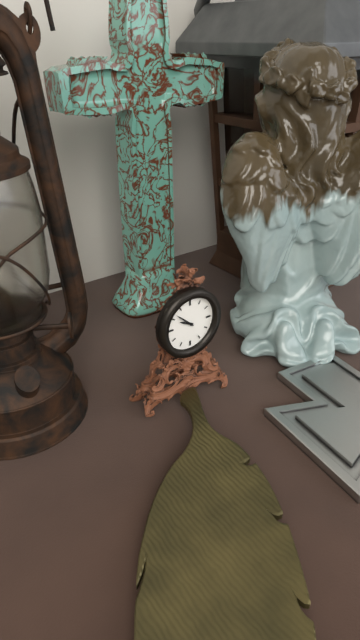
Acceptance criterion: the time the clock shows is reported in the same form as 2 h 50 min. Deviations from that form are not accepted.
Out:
9 h 52 min
